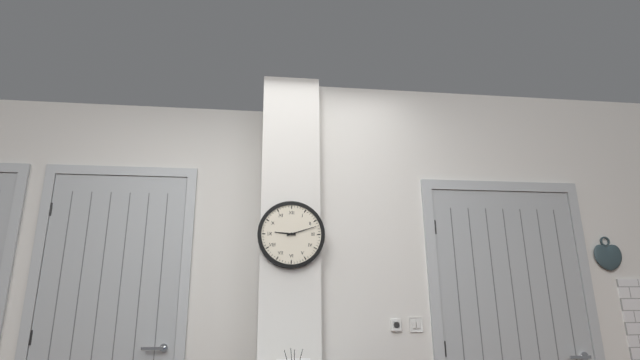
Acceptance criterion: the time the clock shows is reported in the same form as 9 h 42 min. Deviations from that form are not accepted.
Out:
9 h 12 min
